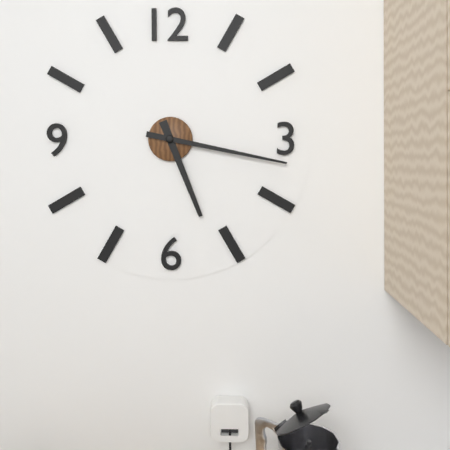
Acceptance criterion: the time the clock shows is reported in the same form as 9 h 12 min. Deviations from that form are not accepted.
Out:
5 h 17 min
